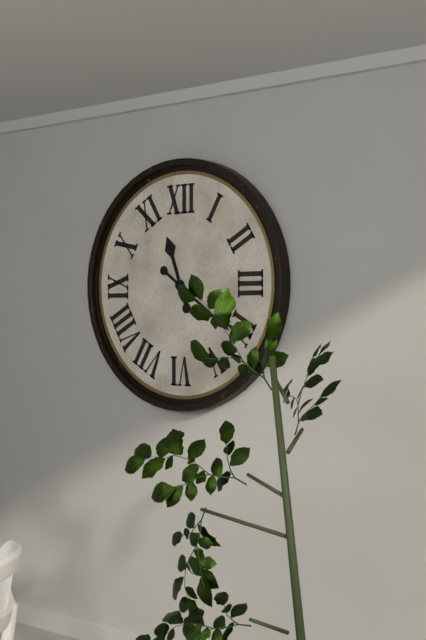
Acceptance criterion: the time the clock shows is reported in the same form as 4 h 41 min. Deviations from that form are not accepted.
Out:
11 h 21 min
